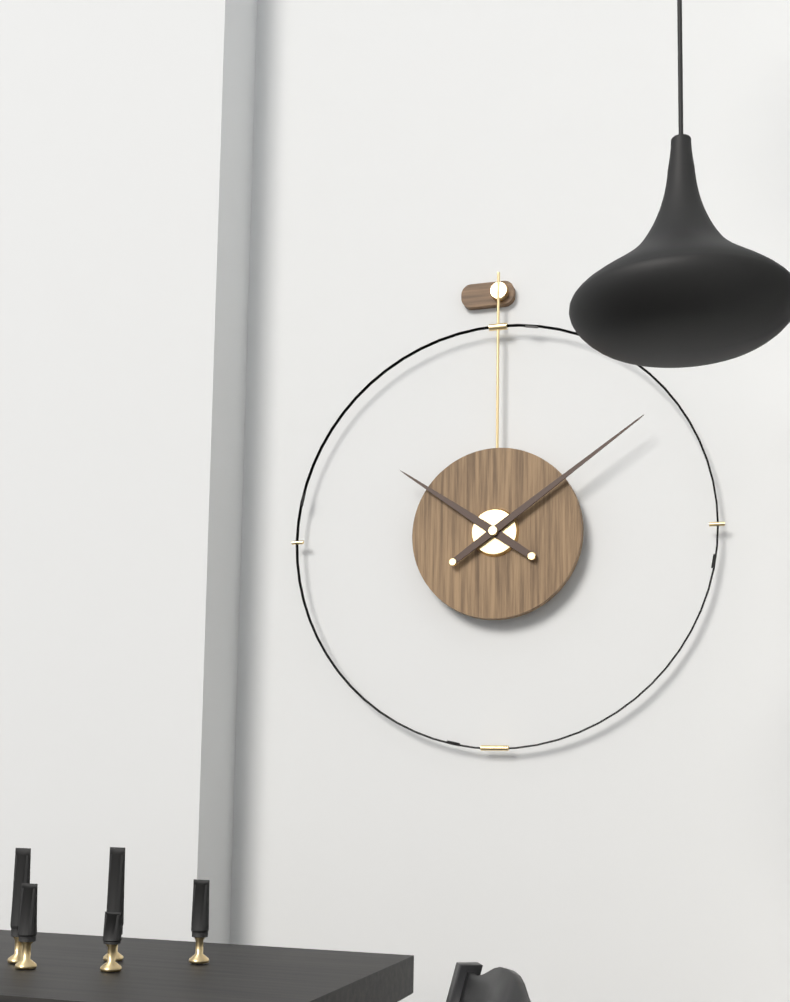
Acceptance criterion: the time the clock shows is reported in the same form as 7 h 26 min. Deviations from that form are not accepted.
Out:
10 h 09 min
